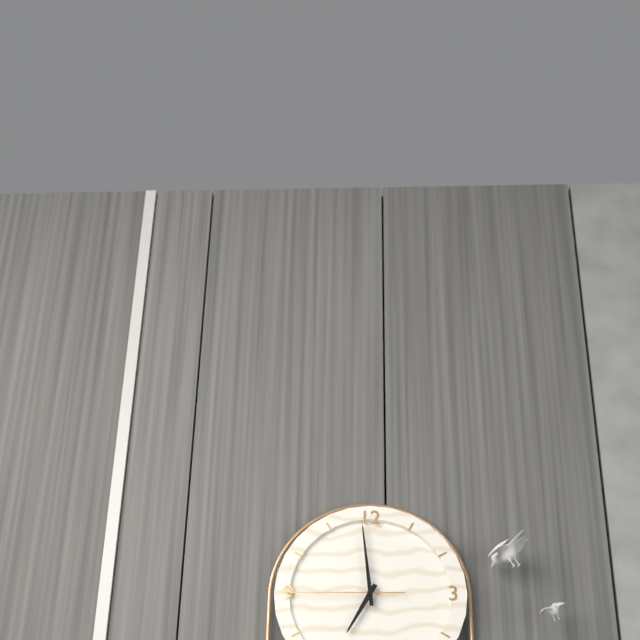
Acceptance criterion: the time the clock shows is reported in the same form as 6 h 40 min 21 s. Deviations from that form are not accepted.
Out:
6 h 59 min 45 s
